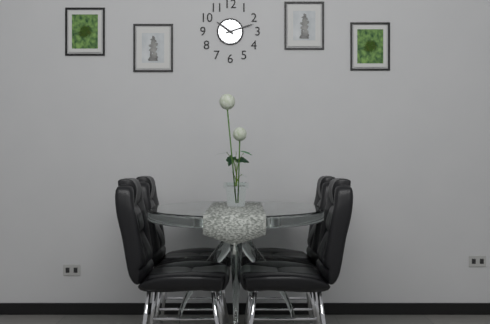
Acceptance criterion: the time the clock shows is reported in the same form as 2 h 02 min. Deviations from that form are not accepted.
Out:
10 h 12 min
